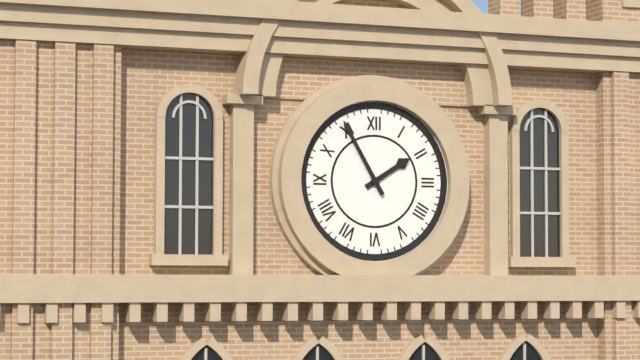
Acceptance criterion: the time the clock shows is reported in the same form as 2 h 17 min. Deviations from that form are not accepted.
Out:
1 h 55 min
